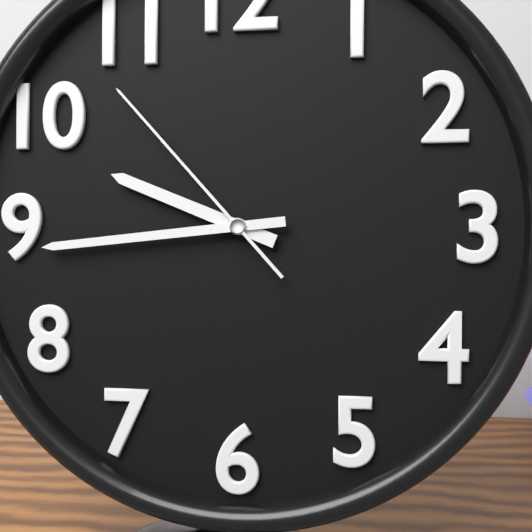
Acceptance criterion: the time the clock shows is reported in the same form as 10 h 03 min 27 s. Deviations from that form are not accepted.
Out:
9 h 44 min 53 s
